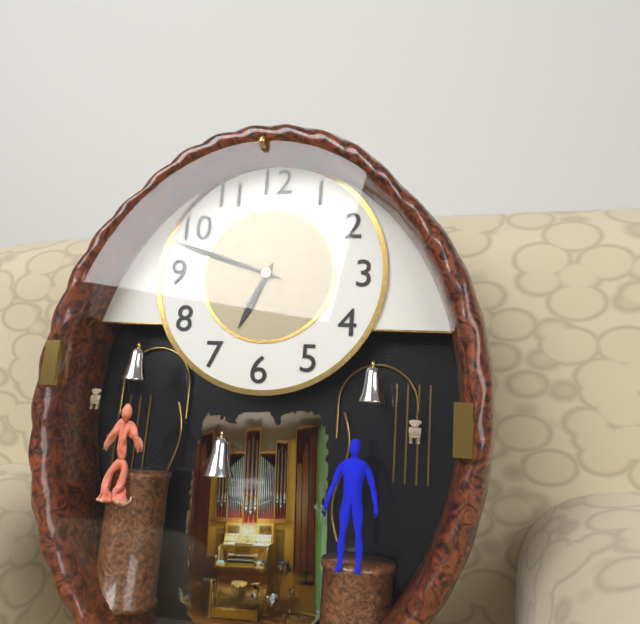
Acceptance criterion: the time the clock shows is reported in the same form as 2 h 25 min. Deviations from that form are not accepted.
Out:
6 h 48 min
